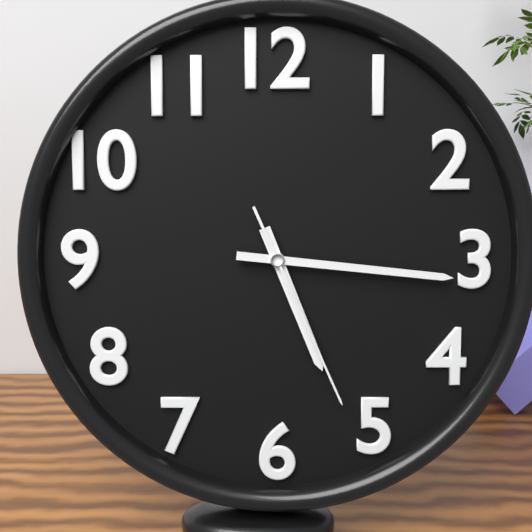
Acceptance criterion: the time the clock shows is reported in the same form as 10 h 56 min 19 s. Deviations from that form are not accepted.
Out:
5 h 16 min 26 s
